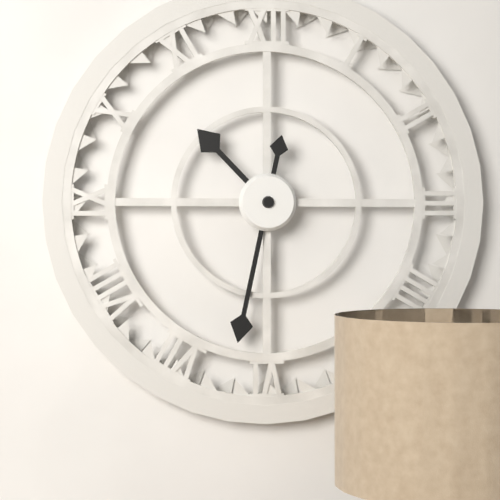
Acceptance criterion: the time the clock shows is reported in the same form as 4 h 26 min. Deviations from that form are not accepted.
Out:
10 h 32 min
